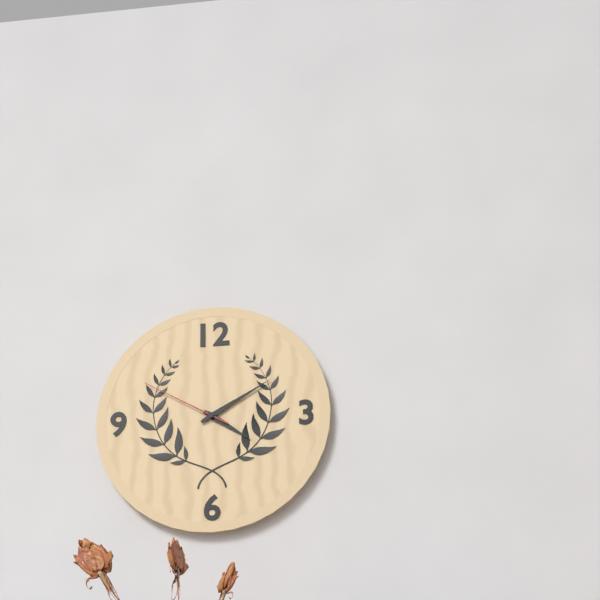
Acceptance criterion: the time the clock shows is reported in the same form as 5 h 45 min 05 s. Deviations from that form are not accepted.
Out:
4 h 10 min 50 s
